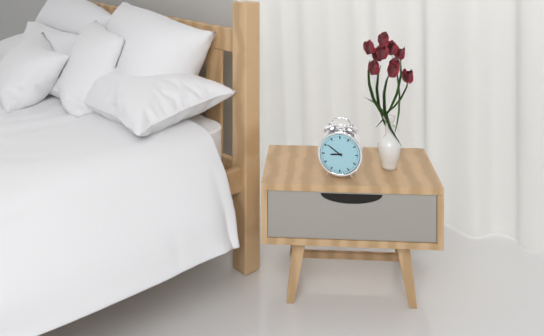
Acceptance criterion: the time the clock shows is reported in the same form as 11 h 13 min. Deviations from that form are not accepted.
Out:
8 h 51 min
